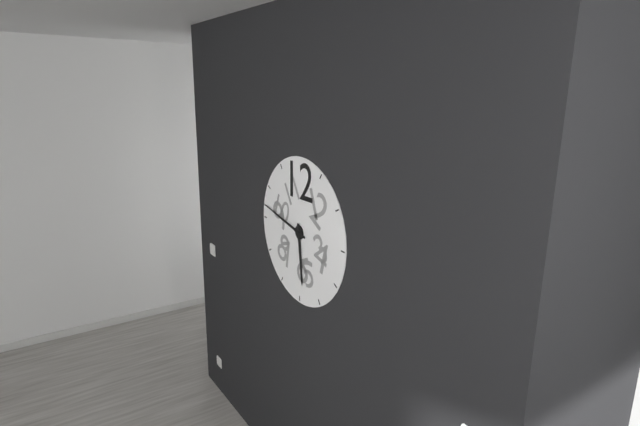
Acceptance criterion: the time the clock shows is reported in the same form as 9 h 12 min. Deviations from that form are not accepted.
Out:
5 h 47 min
